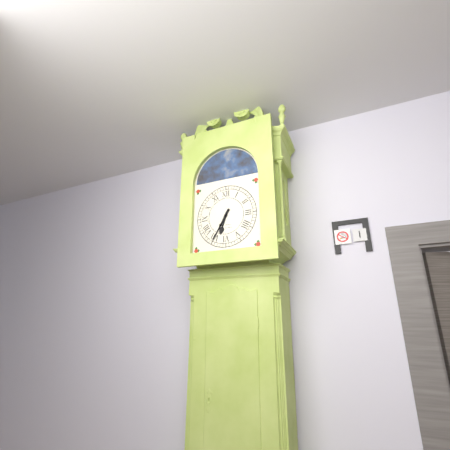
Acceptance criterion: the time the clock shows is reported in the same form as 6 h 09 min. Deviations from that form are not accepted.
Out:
6 h 35 min
